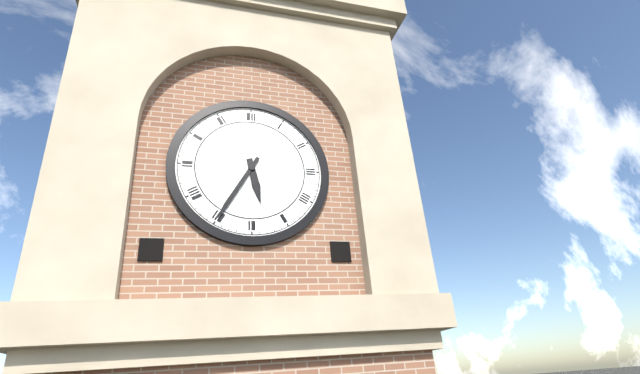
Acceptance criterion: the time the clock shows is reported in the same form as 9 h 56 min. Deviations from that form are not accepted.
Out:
5 h 35 min
